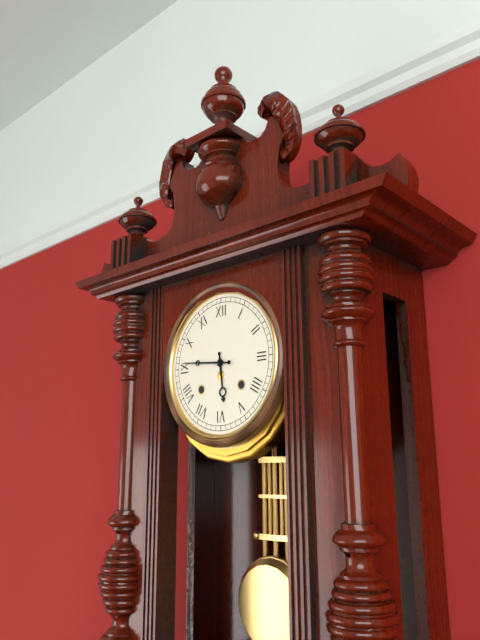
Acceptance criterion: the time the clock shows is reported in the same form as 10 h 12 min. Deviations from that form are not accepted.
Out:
5 h 46 min
